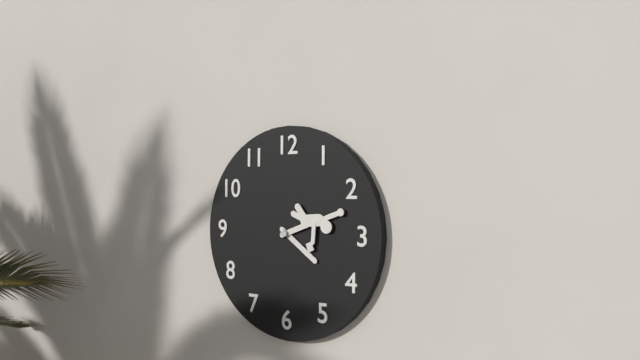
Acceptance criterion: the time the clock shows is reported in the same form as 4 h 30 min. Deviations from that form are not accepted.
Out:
4 h 11 min
